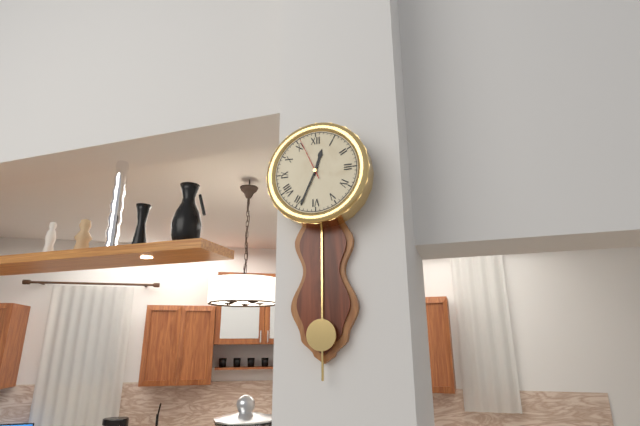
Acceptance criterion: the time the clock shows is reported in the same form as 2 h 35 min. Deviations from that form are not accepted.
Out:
12 h 34 min
